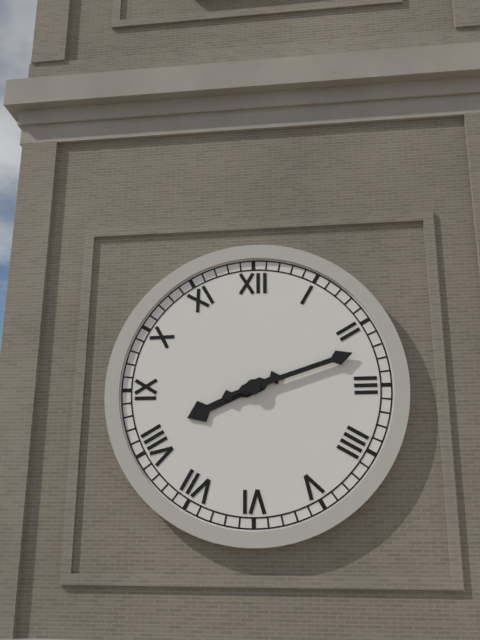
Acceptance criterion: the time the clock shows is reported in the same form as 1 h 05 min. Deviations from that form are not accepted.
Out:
8 h 12 min
